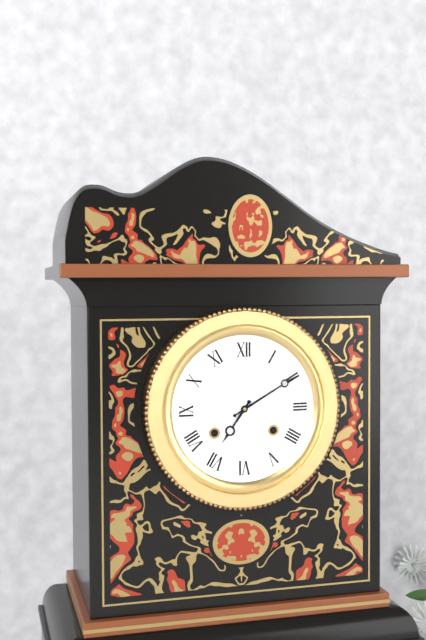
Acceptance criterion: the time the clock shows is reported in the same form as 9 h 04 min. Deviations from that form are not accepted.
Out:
7 h 10 min
